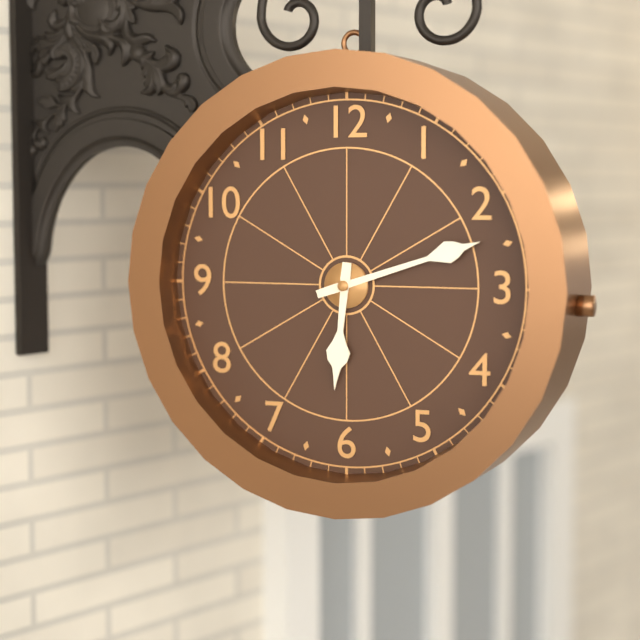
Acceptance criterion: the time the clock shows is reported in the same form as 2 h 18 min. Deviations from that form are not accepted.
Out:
6 h 12 min
